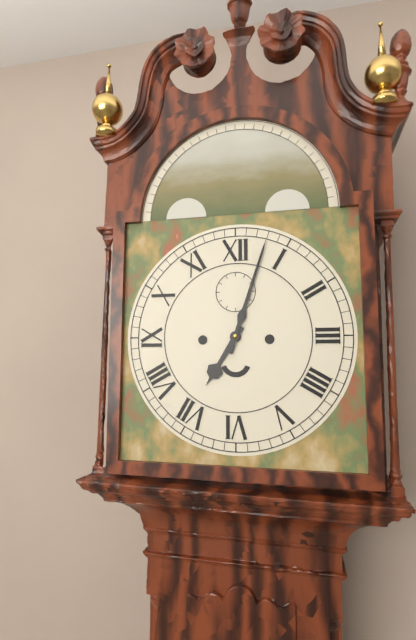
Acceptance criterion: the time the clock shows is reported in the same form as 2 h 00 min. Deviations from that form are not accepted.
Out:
7 h 03 min
